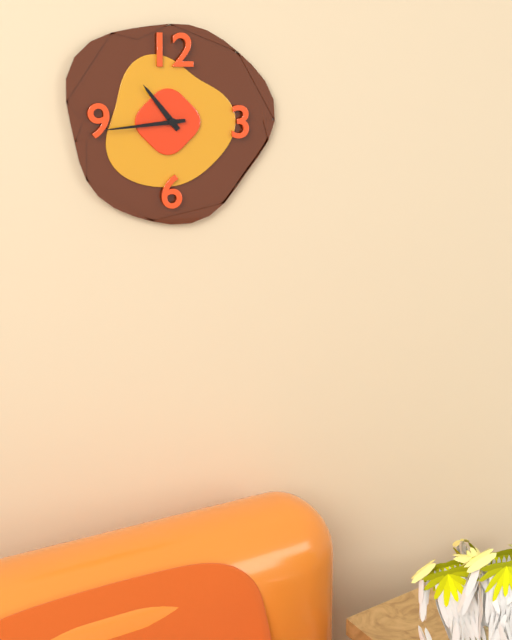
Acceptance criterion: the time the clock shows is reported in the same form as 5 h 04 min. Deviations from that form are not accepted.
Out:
10 h 44 min
